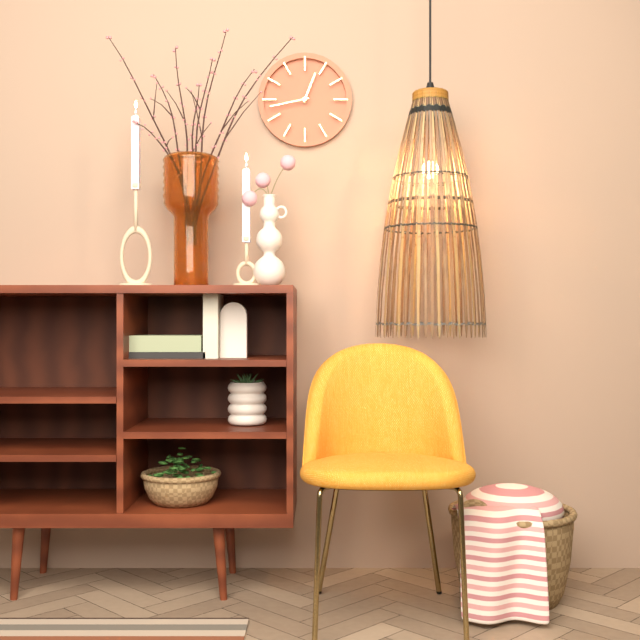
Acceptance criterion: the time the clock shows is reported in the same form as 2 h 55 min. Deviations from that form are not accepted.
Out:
12 h 43 min
